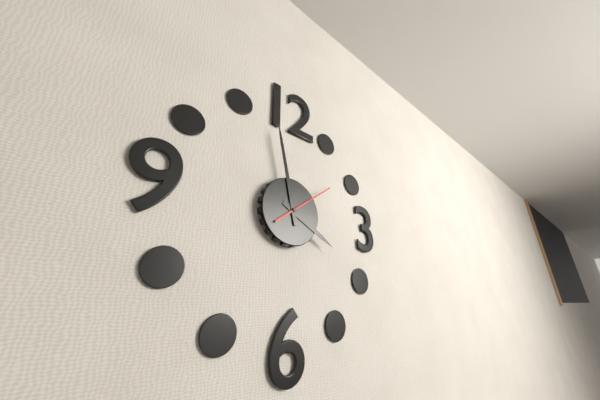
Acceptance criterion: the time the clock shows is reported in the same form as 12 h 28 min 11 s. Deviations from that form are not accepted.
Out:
3 h 58 min 09 s
